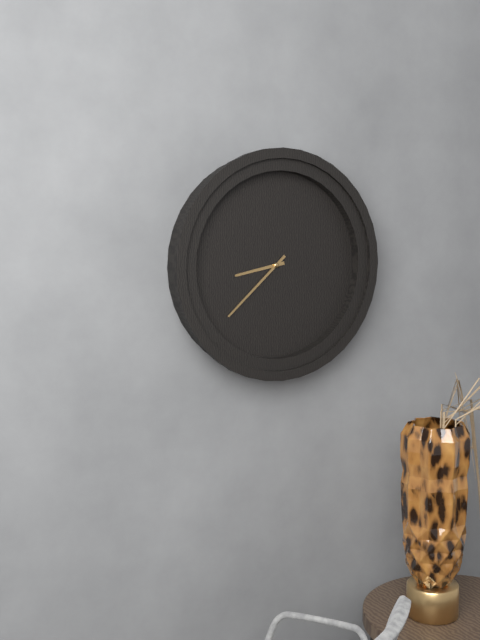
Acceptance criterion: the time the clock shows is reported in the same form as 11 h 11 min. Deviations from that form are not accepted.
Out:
8 h 38 min
